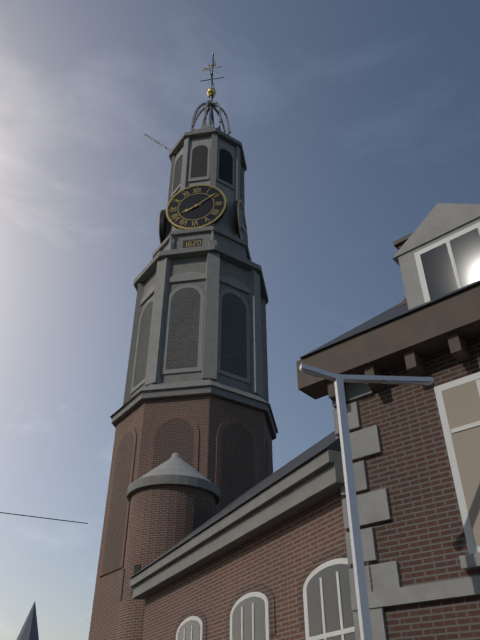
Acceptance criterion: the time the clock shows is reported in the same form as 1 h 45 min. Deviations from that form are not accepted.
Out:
8 h 09 min
